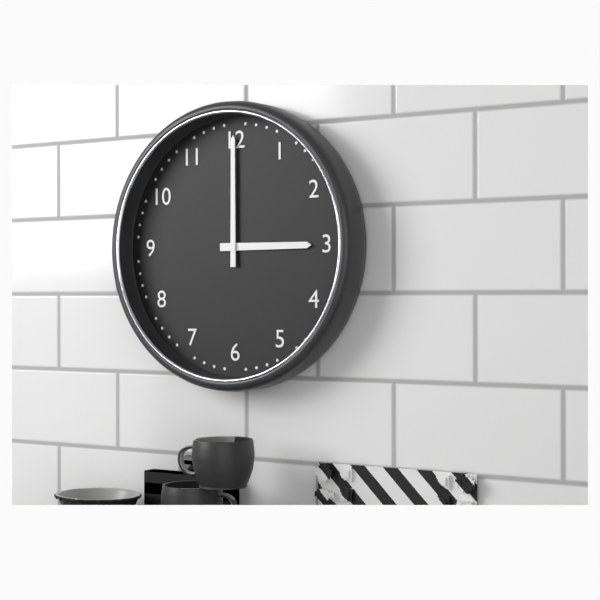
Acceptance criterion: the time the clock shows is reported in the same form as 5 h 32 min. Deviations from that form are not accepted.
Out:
3 h 00 min
